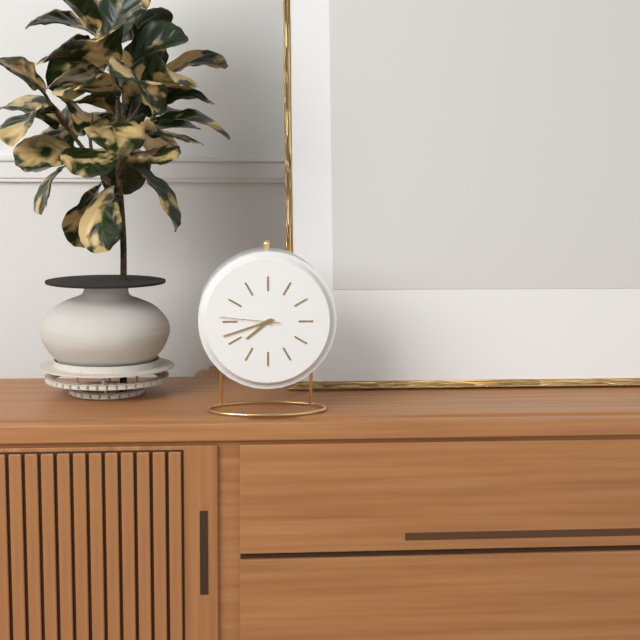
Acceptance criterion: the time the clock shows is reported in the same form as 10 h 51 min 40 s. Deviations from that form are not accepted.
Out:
7 h 42 min 46 s
